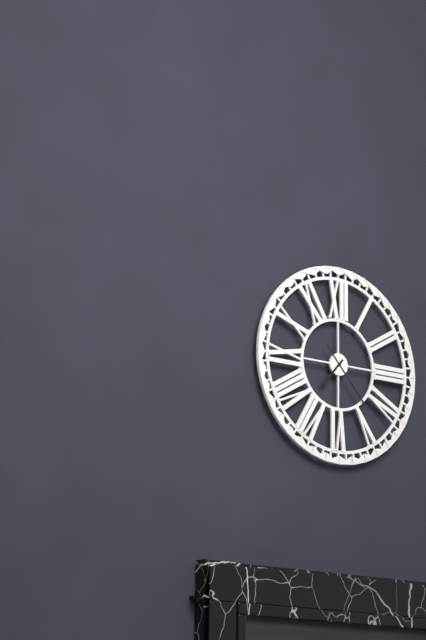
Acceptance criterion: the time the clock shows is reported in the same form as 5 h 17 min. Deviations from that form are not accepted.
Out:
7 h 23 min
